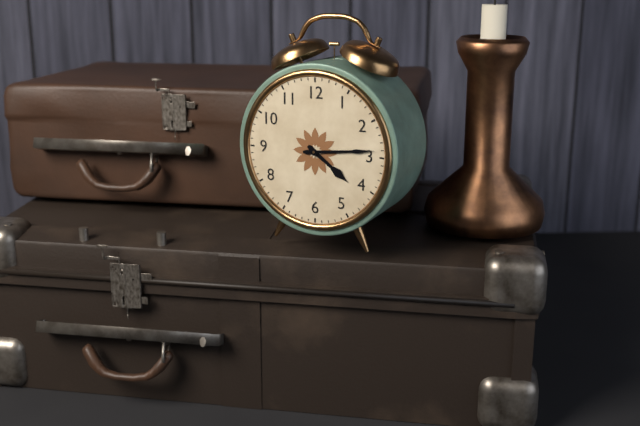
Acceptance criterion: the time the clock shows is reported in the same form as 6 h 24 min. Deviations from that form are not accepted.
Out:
4 h 14 min
